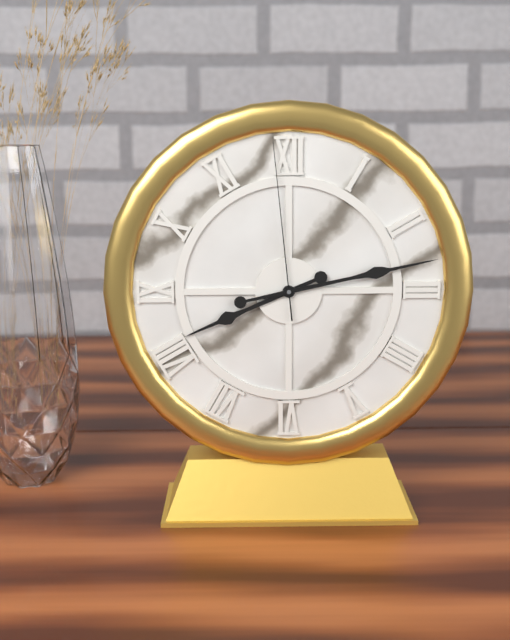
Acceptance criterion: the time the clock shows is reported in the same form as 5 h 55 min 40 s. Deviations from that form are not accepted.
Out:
8 h 13 min 59 s
